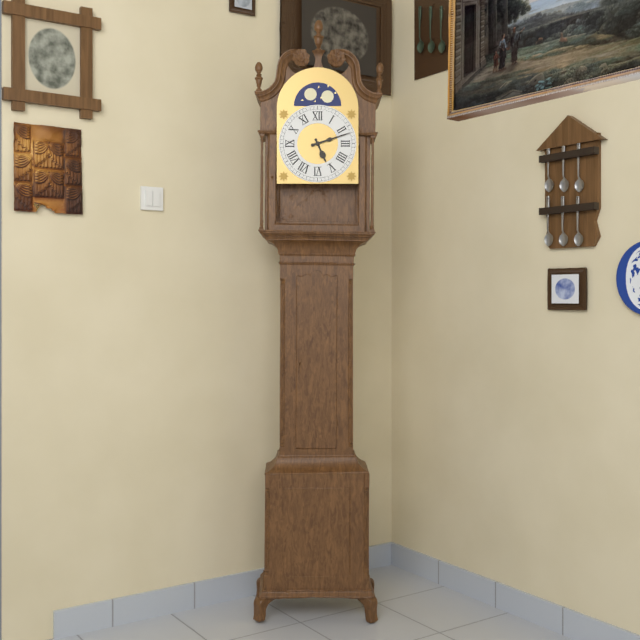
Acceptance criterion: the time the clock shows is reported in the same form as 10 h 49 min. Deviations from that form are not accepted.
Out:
5 h 12 min
